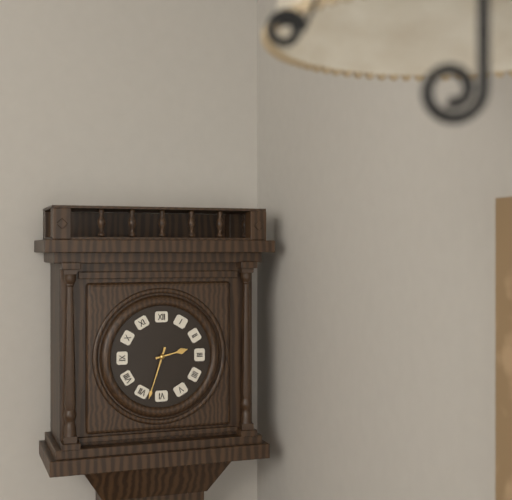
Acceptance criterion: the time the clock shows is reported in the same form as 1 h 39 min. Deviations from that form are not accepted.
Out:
2 h 33 min
